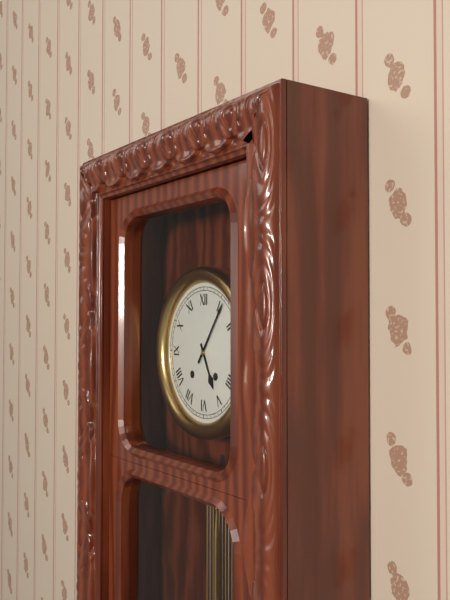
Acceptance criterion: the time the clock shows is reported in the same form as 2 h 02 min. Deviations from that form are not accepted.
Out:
5 h 06 min
